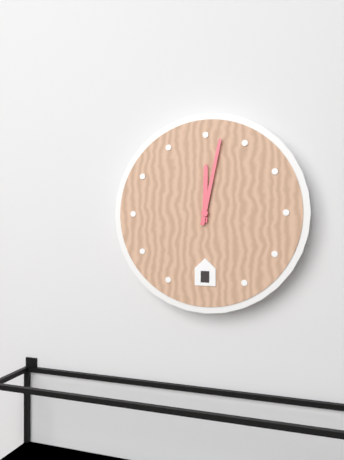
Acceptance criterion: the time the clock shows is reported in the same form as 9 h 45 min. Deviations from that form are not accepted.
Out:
12 h 02 min
